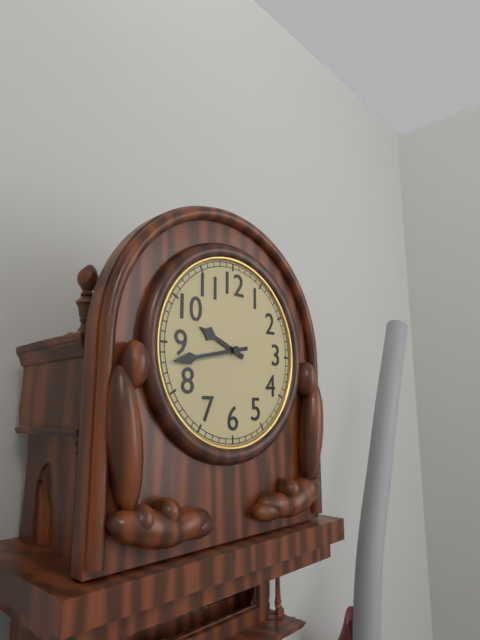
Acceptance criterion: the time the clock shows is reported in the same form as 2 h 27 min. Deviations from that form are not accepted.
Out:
9 h 43 min
